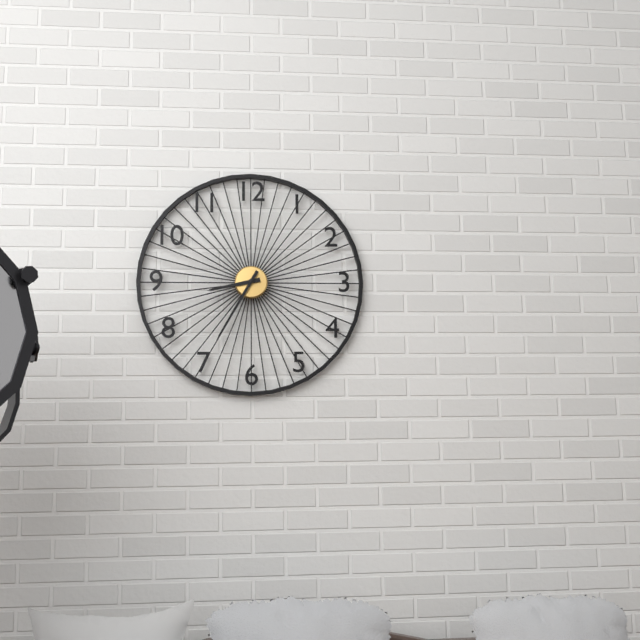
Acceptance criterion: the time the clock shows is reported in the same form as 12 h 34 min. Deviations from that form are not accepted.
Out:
8 h 35 min
